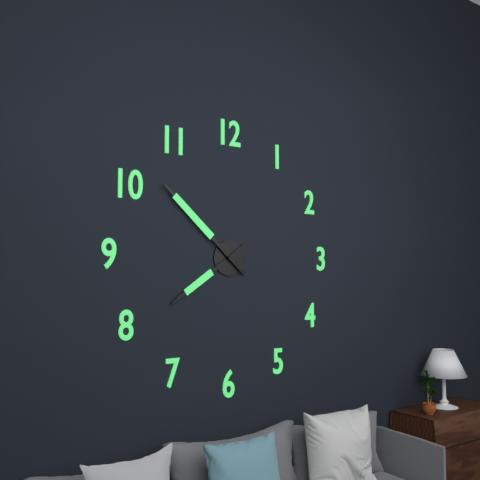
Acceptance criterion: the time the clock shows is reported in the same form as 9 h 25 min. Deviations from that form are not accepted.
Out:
7 h 52 min
